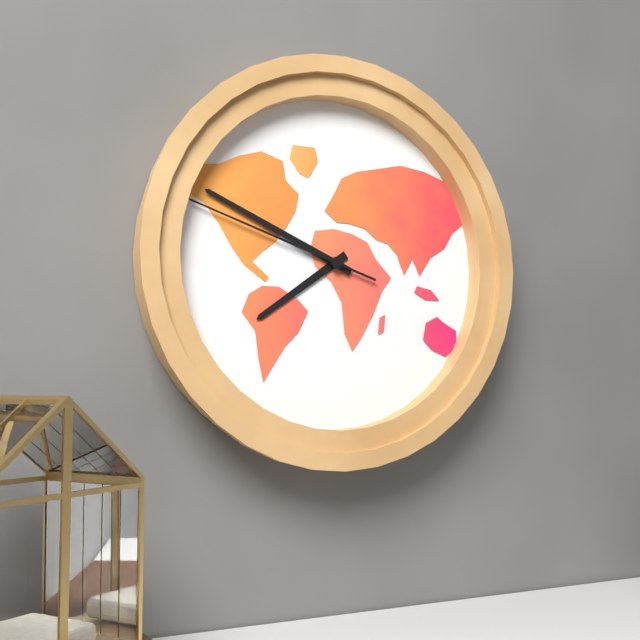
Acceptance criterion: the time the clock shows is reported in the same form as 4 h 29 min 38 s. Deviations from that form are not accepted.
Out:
7 h 49 min 48 s
